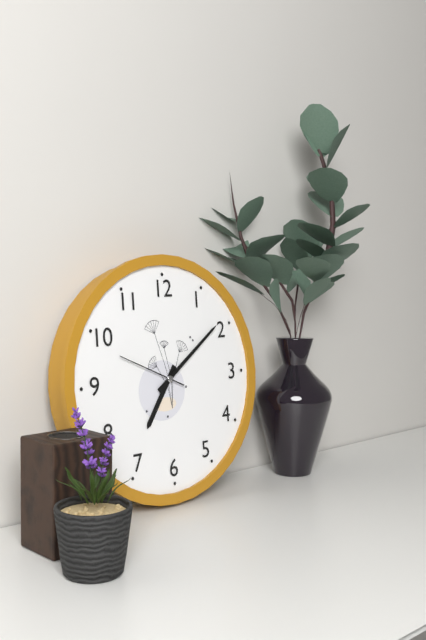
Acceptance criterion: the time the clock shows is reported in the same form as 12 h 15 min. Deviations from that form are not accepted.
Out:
7 h 09 min
